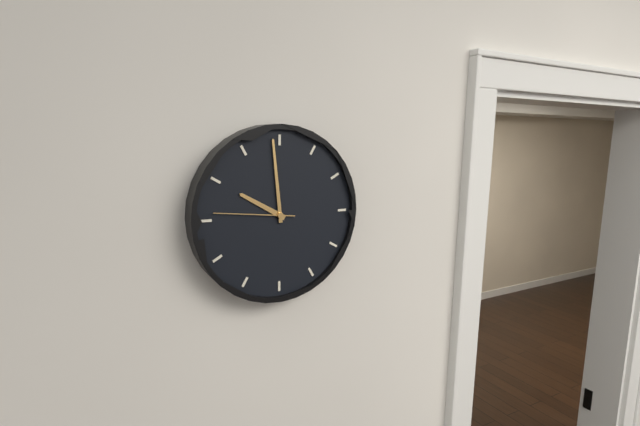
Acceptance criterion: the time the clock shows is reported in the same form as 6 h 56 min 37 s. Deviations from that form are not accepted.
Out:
9 h 59 min 46 s
